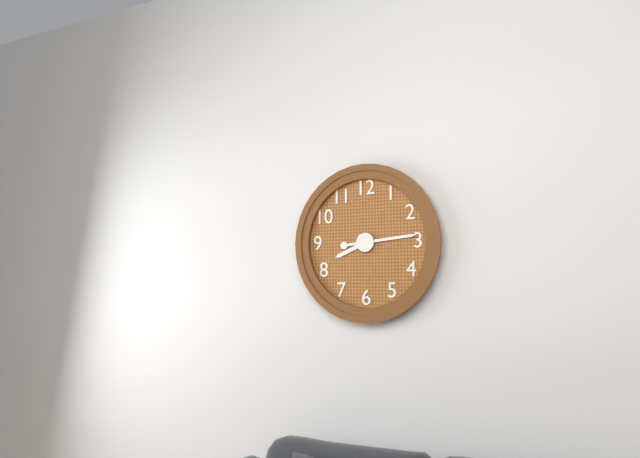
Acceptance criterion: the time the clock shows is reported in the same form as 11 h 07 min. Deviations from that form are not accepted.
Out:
8 h 14 min
